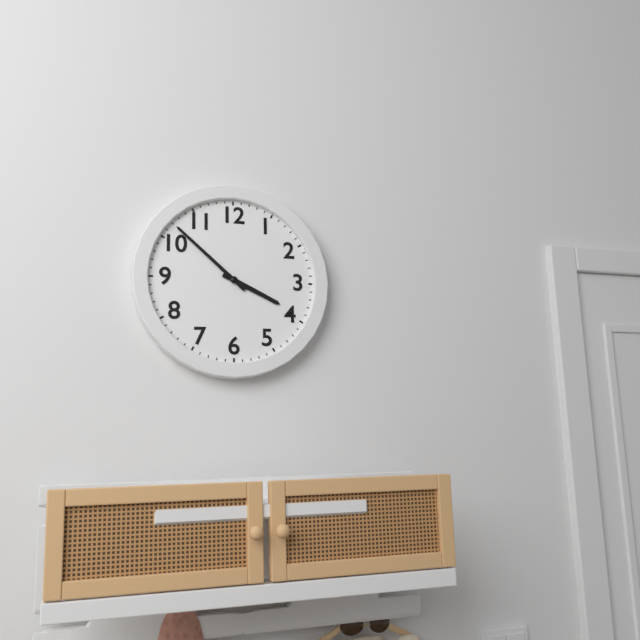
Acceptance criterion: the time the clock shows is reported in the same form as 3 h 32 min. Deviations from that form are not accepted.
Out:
3 h 52 min
